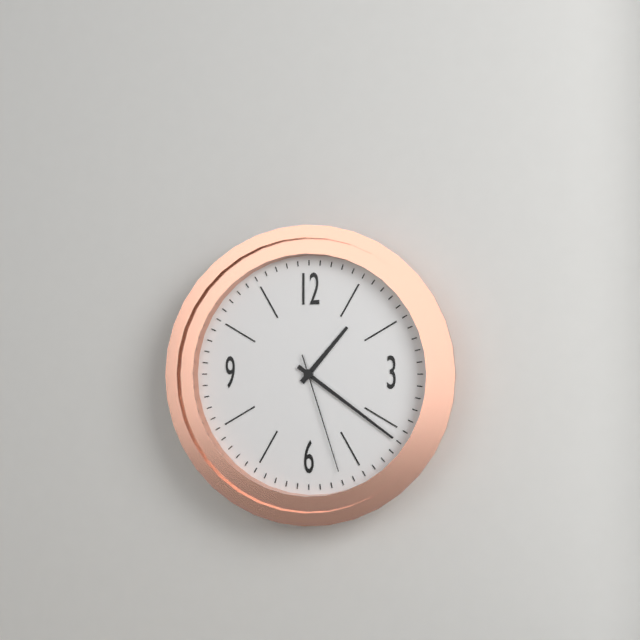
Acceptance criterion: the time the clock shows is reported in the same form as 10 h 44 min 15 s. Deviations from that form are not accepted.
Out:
1 h 21 min 27 s
